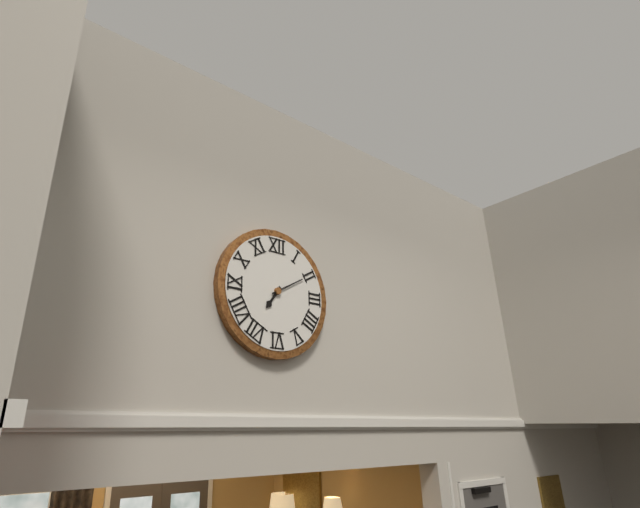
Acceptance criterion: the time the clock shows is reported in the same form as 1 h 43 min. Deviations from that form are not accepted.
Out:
7 h 10 min
